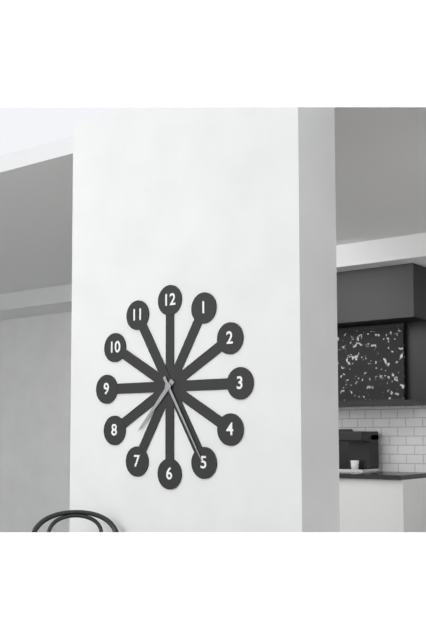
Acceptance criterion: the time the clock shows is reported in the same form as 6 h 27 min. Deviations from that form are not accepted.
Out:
7 h 25 min
